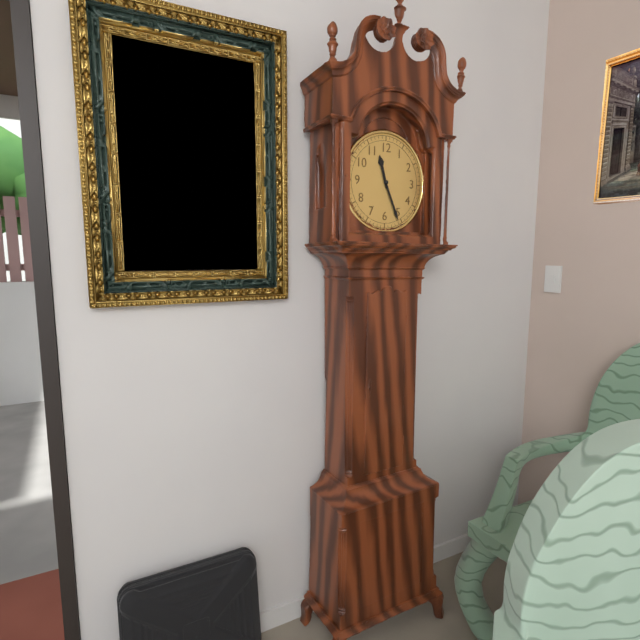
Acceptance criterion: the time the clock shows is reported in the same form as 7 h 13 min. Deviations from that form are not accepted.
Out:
11 h 26 min
